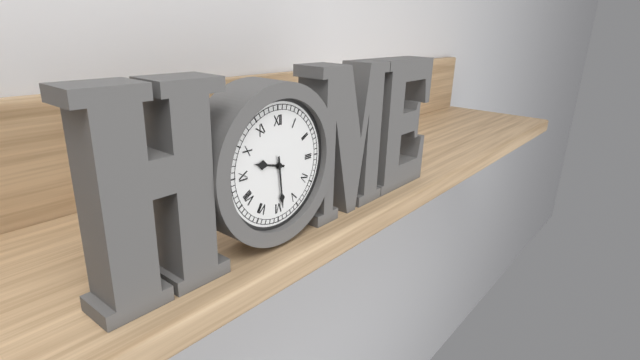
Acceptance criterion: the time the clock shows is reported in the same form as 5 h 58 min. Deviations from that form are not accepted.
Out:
9 h 29 min
